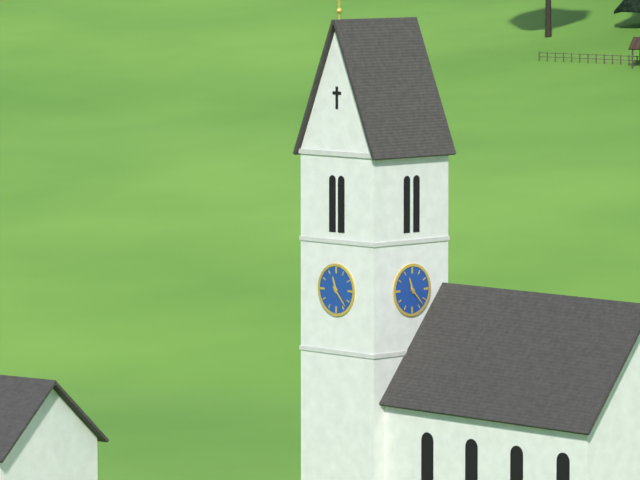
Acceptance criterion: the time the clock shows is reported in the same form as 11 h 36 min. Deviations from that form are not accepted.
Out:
11 h 23 min
